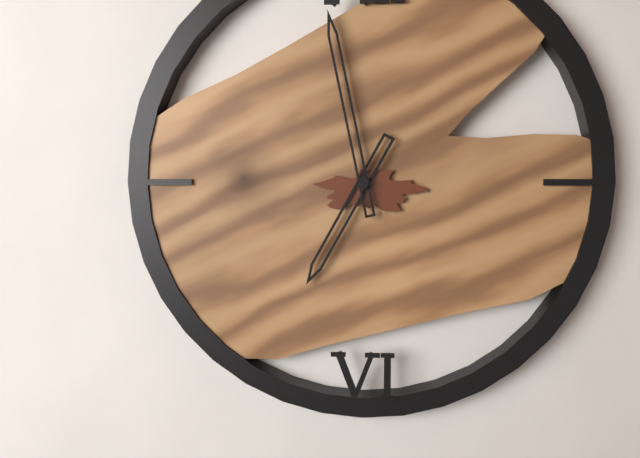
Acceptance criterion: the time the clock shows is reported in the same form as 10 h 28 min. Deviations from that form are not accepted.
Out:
6 h 58 min
